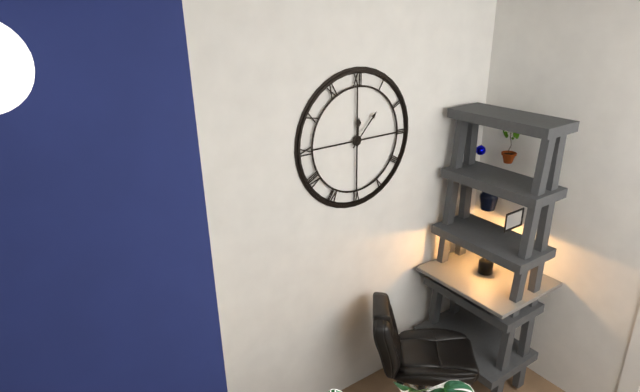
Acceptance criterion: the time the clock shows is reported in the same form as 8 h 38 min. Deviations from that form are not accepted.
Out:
12 h 07 min
